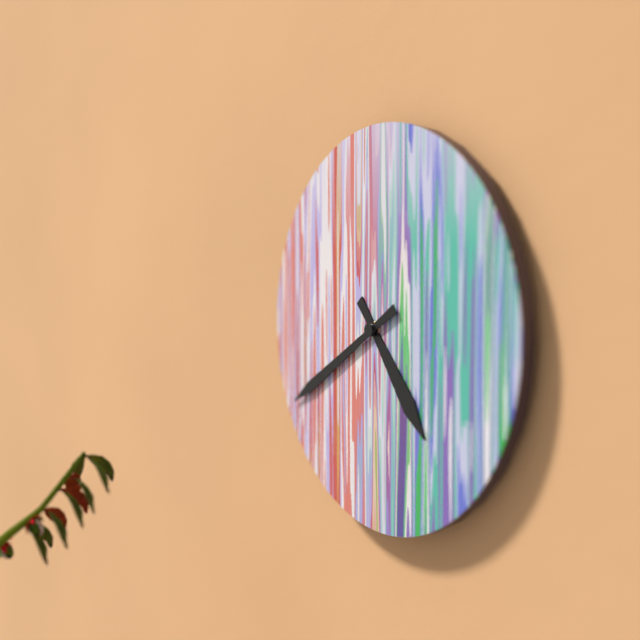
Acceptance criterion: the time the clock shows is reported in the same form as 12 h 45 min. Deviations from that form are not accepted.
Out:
4 h 40 min
